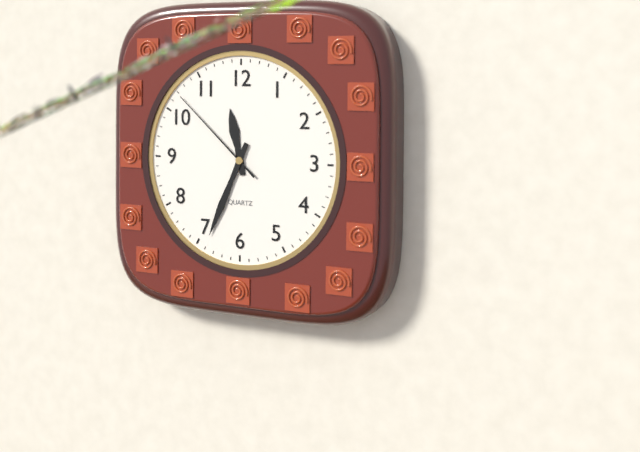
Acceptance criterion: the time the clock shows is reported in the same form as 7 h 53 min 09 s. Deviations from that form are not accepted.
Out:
11 h 34 min 52 s
